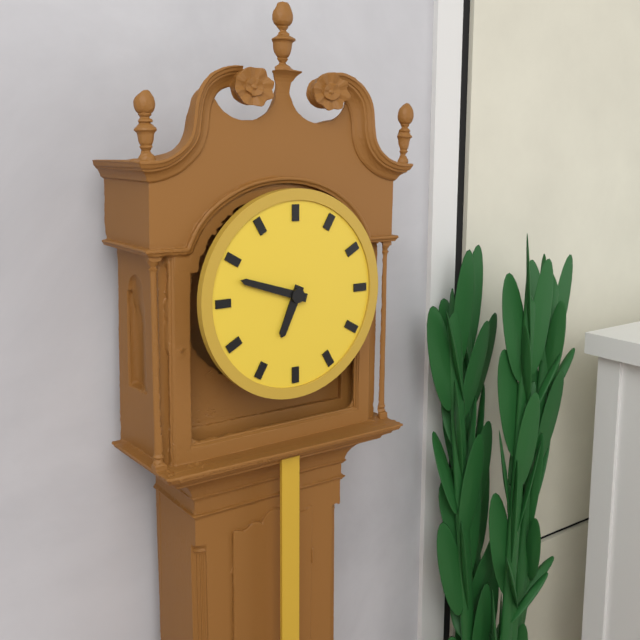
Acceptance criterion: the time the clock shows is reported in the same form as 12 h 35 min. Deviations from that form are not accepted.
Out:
6 h 48 min
